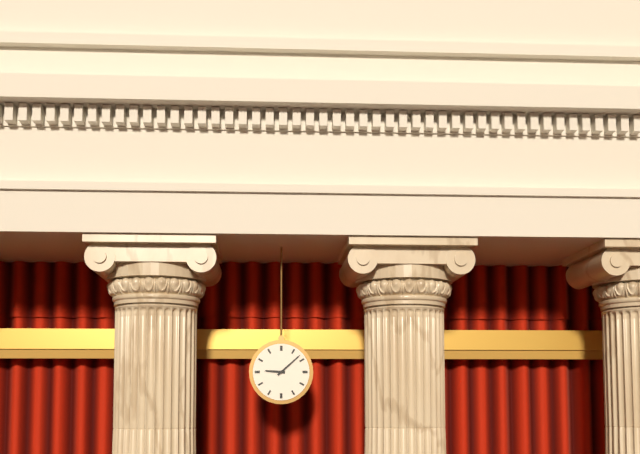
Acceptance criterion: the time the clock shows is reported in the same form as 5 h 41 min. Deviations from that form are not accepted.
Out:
9 h 08 min
